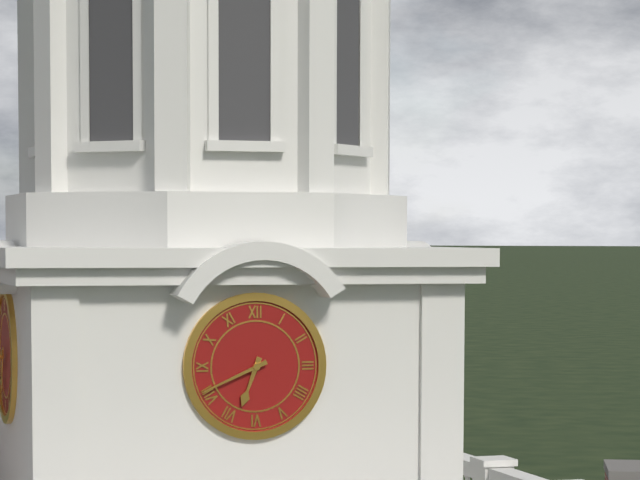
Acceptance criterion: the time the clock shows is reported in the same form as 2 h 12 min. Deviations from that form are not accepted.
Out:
6 h 41 min
